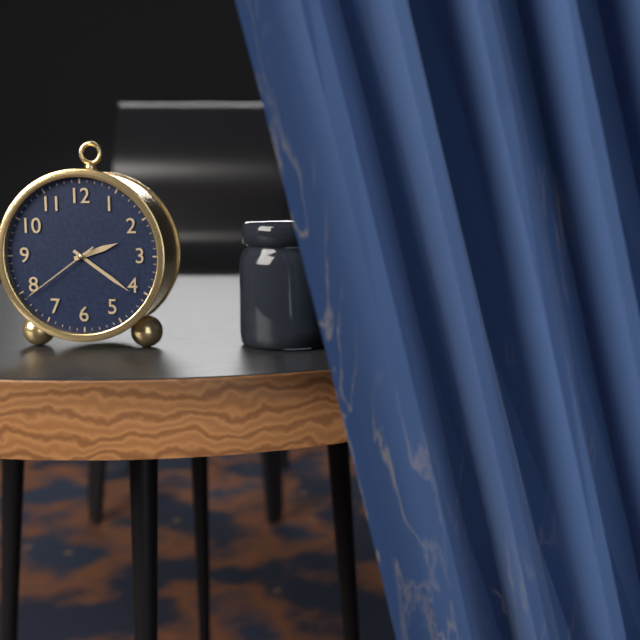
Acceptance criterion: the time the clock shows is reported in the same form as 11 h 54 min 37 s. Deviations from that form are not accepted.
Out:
2 h 21 min 39 s
